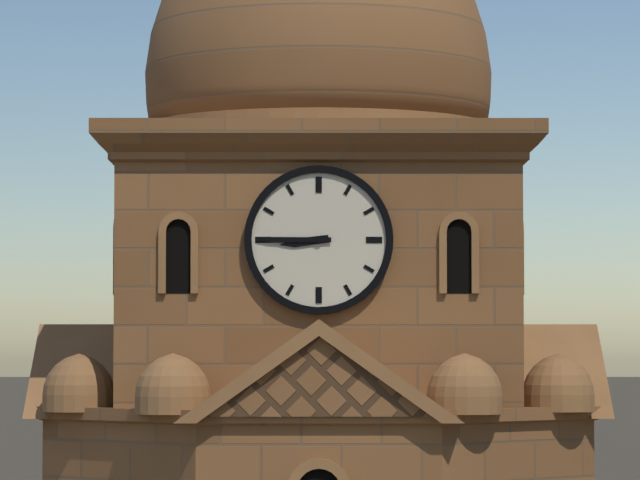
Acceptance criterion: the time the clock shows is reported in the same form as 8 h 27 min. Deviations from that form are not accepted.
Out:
8 h 45 min
